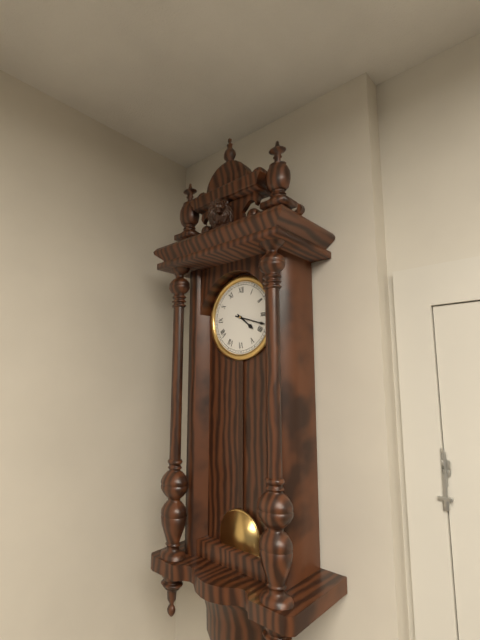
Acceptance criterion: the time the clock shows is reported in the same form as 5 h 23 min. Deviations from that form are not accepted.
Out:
4 h 18 min
